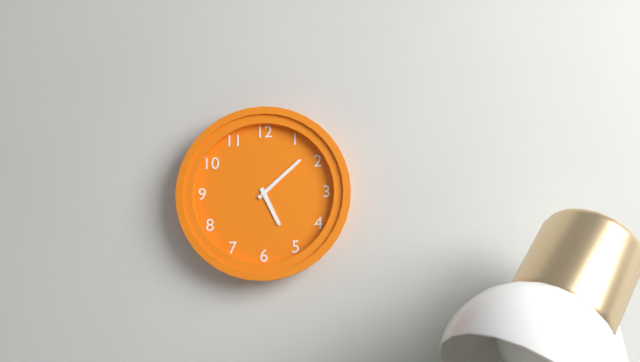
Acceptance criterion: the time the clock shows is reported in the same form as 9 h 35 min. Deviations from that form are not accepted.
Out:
5 h 08 min
